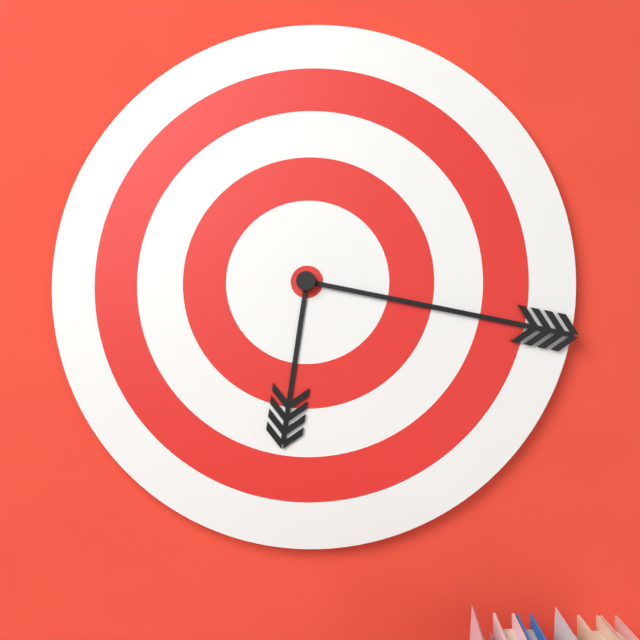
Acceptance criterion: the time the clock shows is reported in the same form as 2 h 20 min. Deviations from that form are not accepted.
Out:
6 h 17 min
